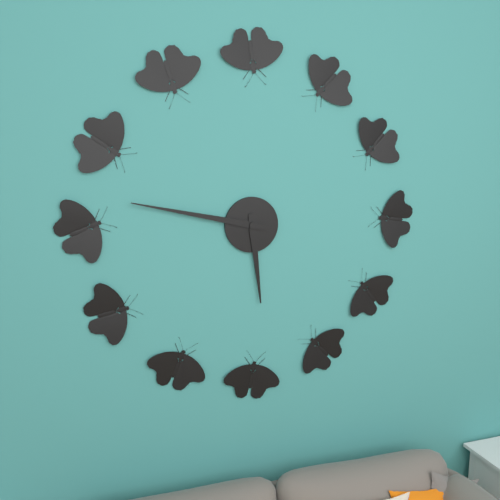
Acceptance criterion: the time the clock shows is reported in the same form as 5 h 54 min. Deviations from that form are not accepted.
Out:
5 h 47 min
